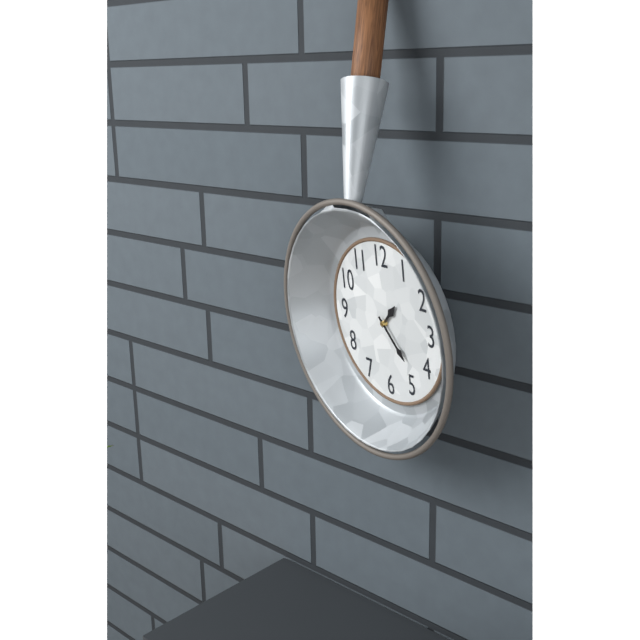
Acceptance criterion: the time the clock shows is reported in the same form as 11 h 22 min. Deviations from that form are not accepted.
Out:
1 h 23 min
